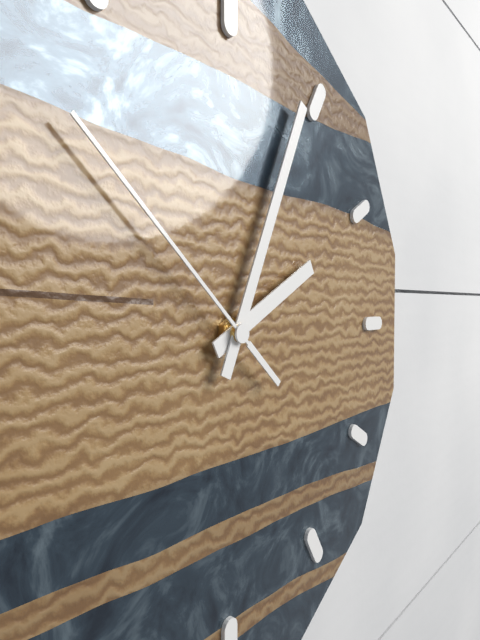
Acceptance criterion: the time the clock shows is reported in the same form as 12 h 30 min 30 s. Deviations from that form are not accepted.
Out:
2 h 04 min 52 s
